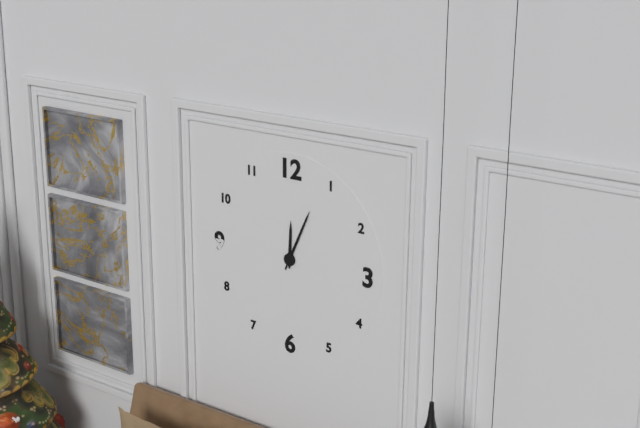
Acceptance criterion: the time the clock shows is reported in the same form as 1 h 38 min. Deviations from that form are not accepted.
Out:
12 h 04 min
